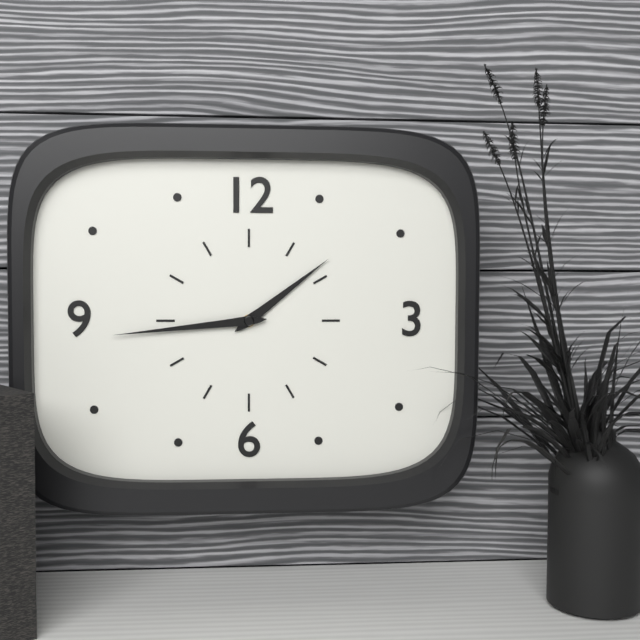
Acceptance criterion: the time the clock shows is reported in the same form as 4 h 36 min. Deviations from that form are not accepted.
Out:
1 h 44 min
